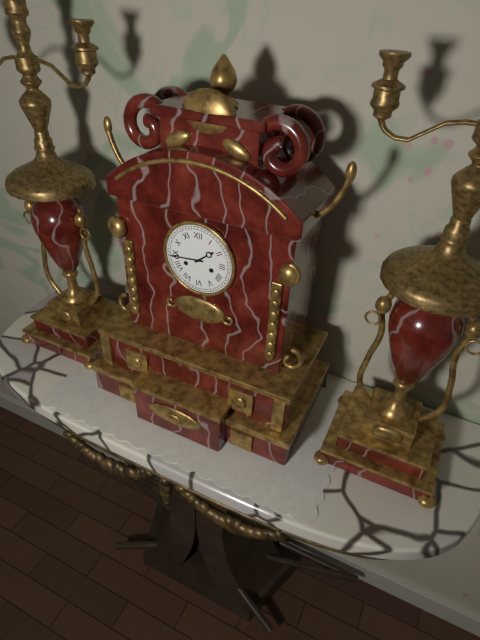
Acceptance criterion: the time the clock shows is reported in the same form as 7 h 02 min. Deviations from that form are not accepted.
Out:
1 h 44 min
